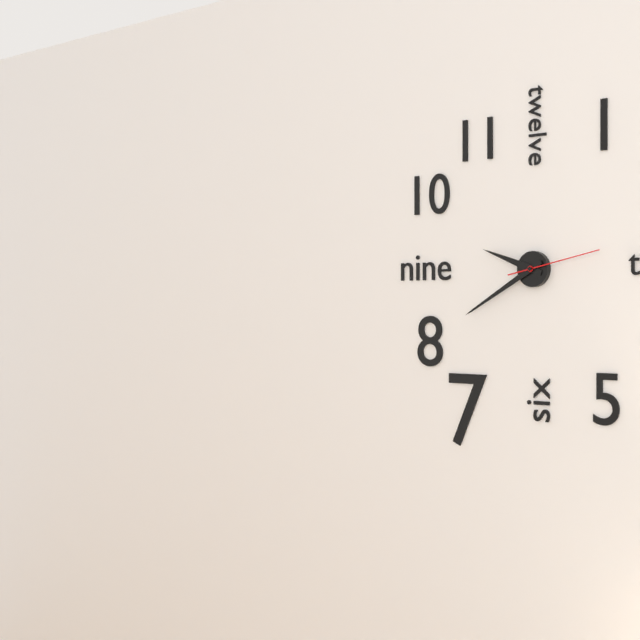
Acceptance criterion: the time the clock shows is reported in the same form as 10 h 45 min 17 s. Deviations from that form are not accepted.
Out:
9 h 40 min 13 s
